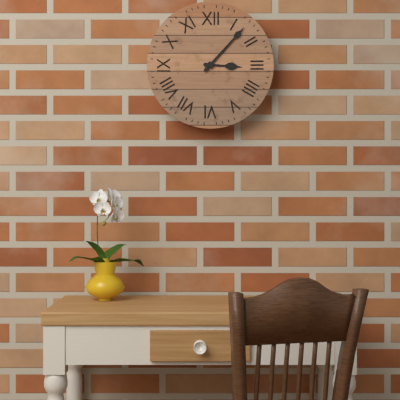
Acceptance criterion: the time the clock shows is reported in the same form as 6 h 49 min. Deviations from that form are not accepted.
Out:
3 h 07 min
